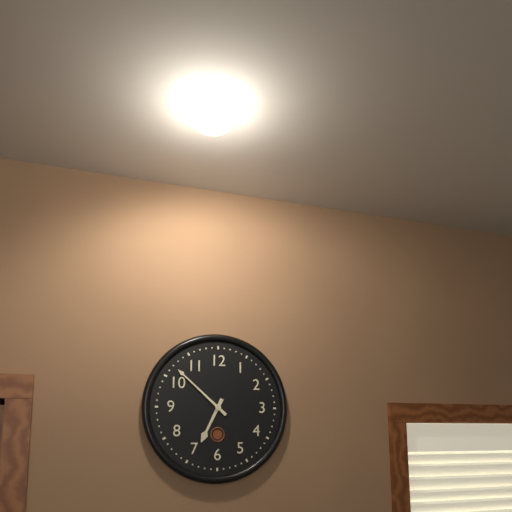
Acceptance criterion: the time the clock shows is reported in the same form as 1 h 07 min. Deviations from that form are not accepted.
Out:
6 h 52 min
